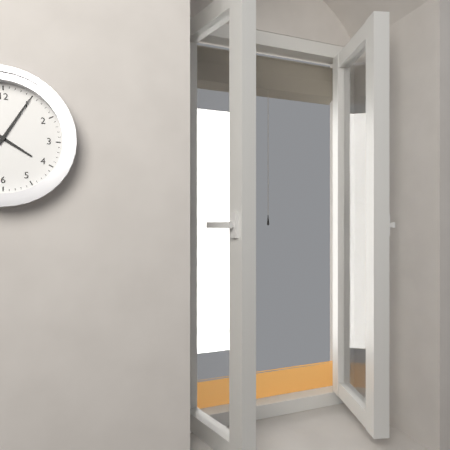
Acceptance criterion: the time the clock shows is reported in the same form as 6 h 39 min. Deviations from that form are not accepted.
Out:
4 h 05 min
